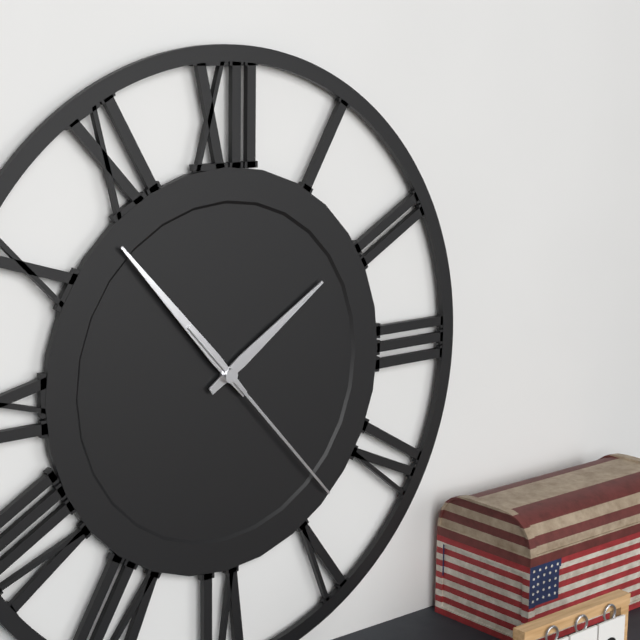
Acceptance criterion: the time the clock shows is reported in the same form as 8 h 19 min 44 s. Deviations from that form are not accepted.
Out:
1 h 53 min 23 s
